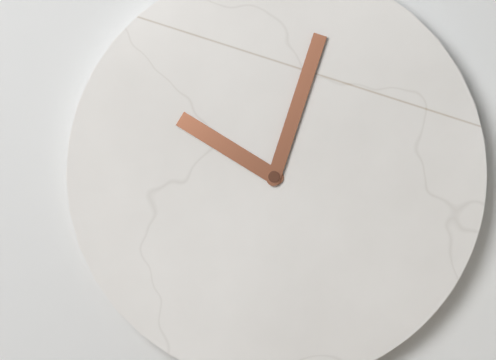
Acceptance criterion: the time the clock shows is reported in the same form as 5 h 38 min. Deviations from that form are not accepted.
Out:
10 h 03 min
